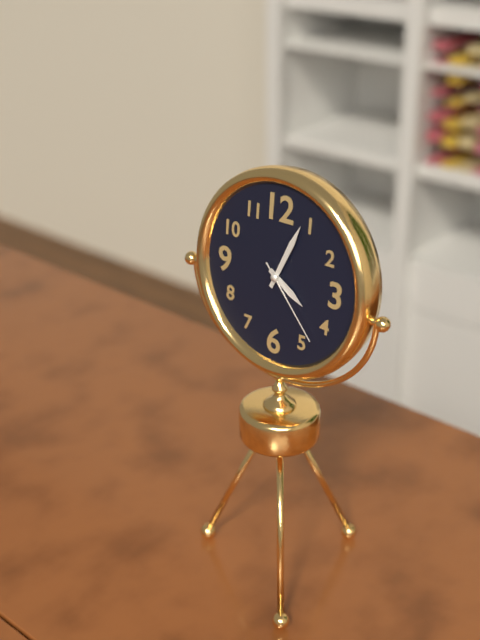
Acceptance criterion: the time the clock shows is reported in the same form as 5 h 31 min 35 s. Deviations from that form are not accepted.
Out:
4 h 04 min 23 s
